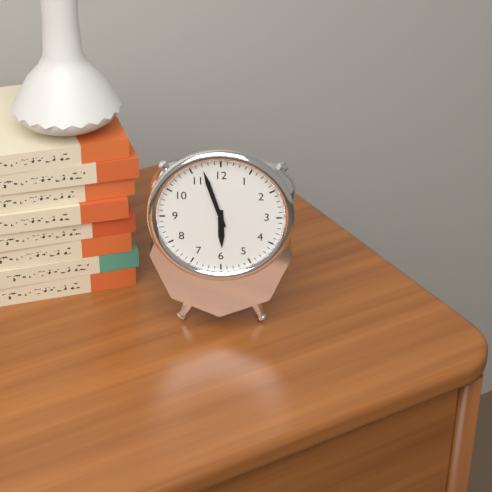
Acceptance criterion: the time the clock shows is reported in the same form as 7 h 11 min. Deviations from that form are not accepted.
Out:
5 h 57 min
